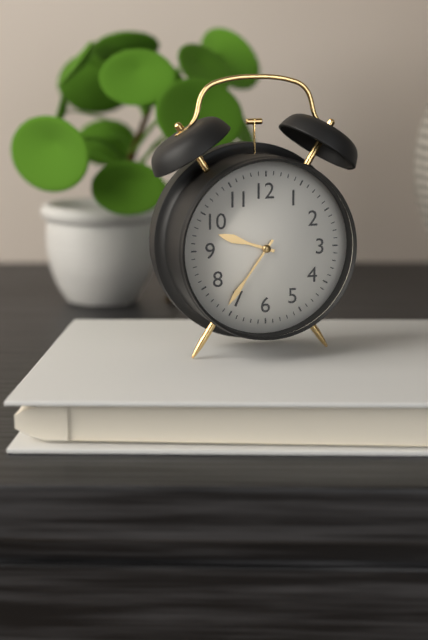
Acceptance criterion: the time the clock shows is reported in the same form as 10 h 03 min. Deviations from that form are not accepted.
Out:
9 h 36 min
